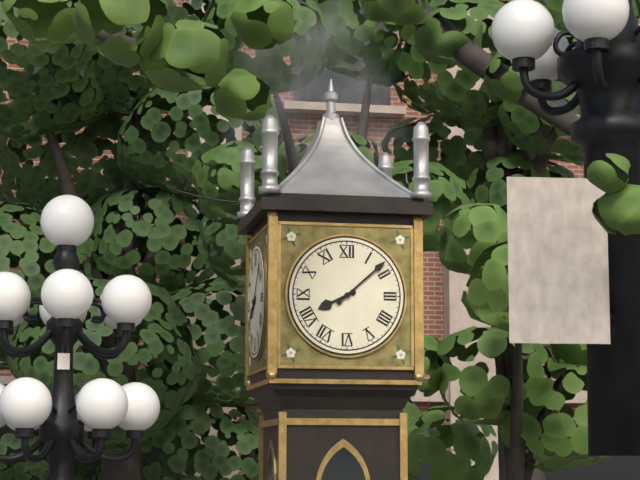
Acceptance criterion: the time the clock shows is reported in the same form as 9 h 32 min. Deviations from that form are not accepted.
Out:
8 h 08 min
